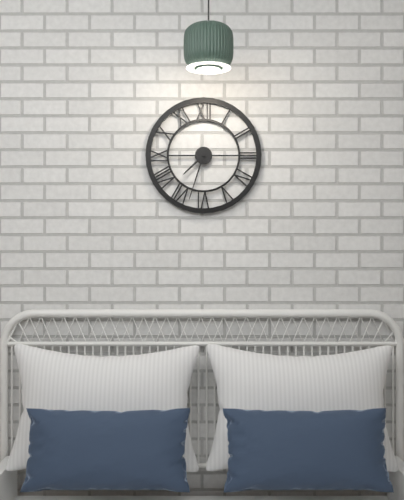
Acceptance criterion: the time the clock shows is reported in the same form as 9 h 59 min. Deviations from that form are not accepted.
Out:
7 h 33 min
